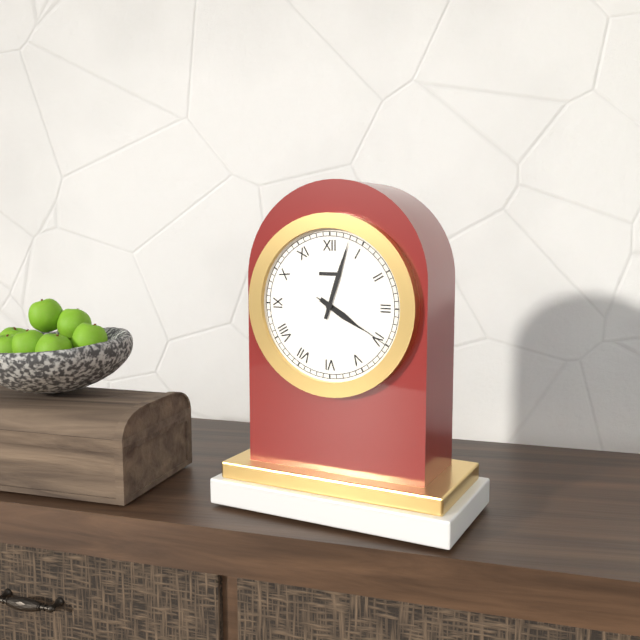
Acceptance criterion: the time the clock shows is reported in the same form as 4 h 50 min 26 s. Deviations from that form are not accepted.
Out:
4 h 03 min 20 s
